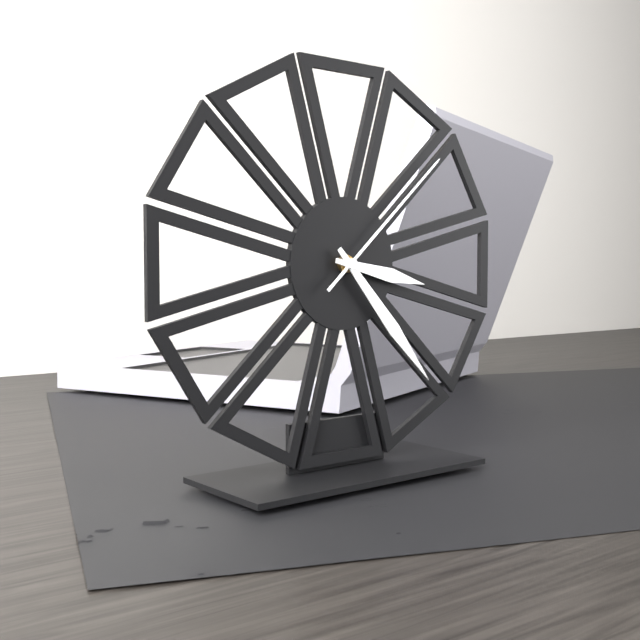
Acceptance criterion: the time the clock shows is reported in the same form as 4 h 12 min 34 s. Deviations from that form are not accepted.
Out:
3 h 23 min 08 s
